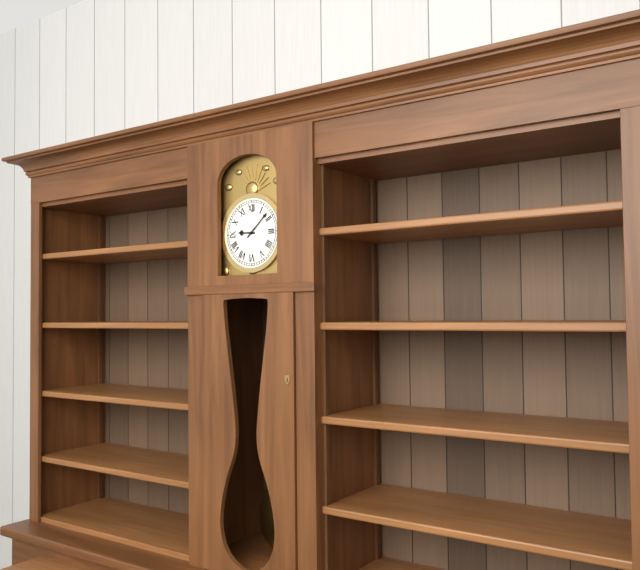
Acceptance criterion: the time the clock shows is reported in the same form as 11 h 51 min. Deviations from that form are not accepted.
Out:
9 h 08 min
